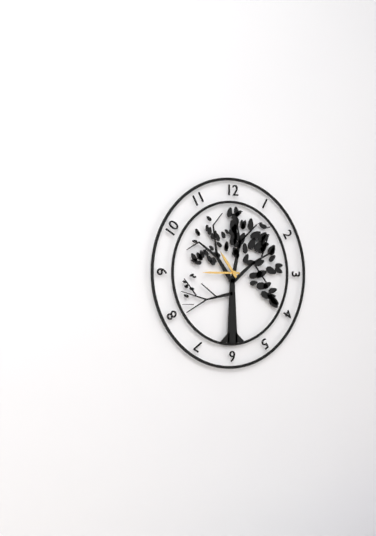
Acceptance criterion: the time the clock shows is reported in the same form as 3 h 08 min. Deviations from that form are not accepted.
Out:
10 h 45 min
